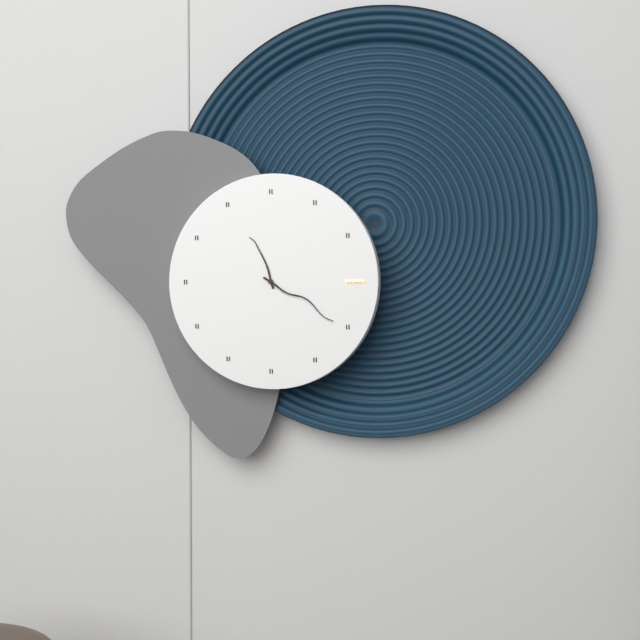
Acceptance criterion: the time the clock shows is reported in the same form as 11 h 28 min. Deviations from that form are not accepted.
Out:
11 h 20 min
